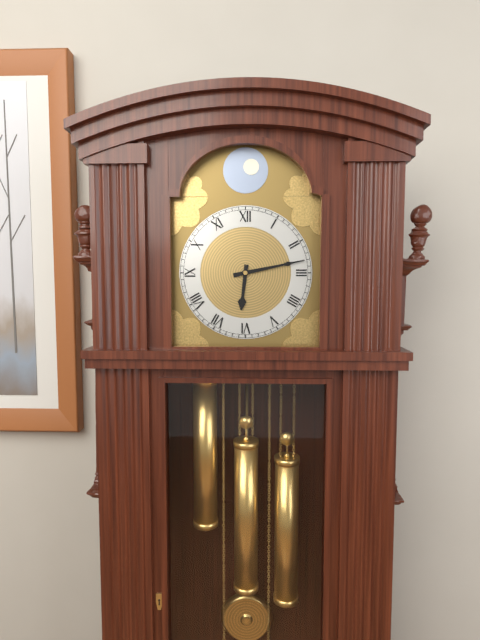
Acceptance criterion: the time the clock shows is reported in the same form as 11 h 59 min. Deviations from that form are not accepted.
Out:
6 h 13 min
